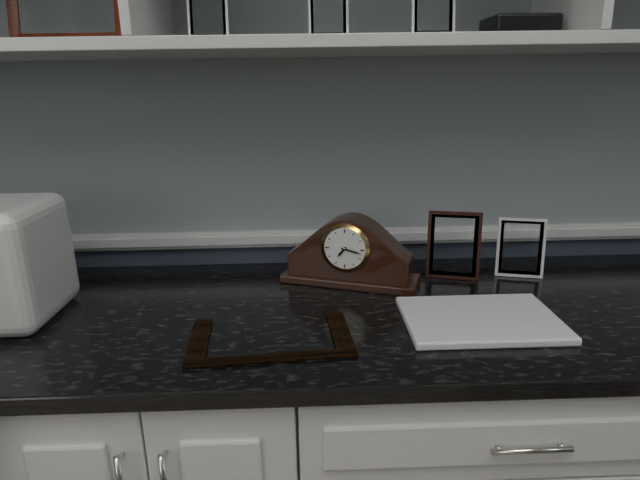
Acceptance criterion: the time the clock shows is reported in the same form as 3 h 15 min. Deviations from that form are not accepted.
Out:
7 h 17 min
